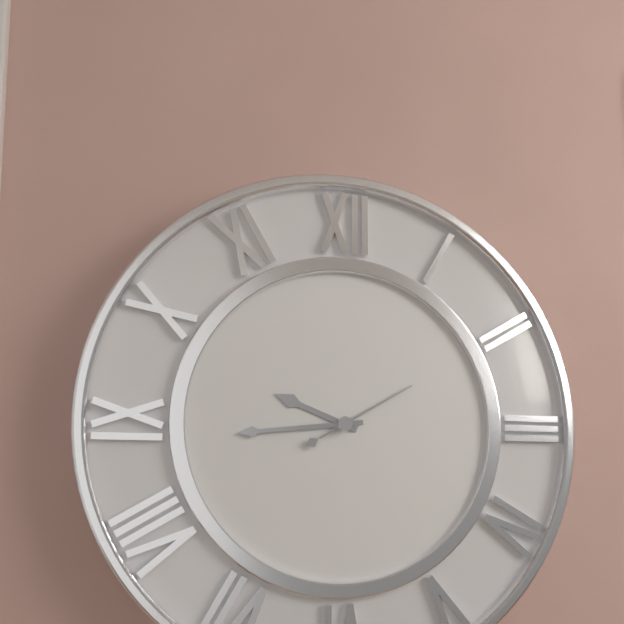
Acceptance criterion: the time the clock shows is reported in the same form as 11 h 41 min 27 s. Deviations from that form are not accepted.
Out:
9 h 44 min 10 s
